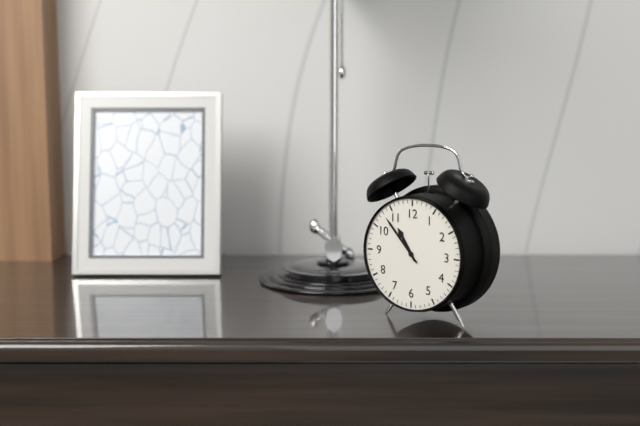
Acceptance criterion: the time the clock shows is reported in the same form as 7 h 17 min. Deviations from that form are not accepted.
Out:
10 h 53 min
